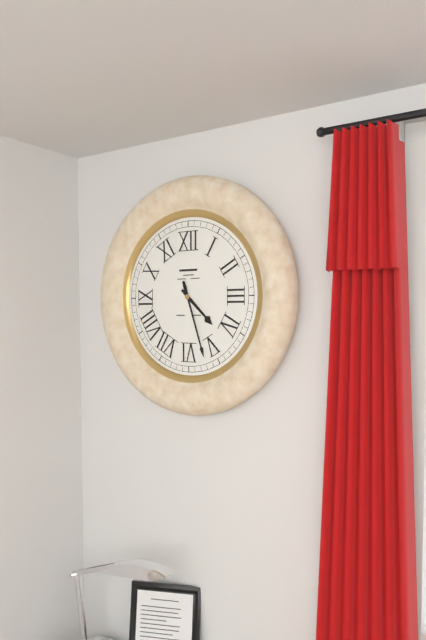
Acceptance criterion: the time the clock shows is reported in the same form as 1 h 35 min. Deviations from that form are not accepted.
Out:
4 h 27 min
